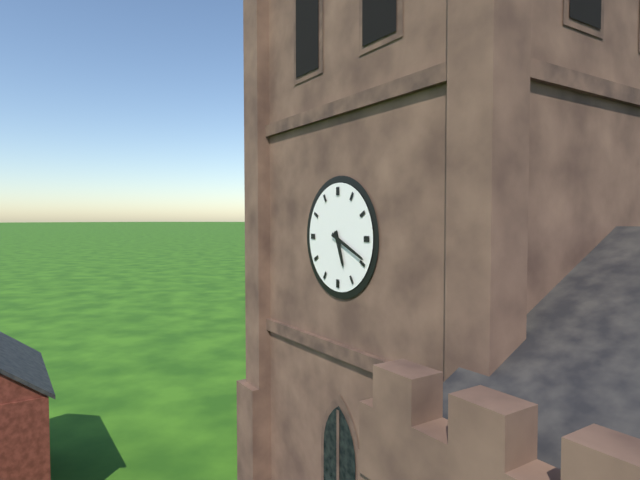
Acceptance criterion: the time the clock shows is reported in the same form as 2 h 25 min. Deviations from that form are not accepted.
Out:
5 h 19 min
